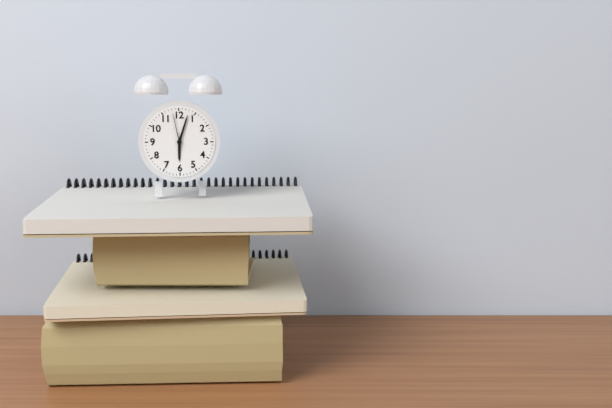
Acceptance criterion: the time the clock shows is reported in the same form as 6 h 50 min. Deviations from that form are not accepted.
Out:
6 h 03 min
